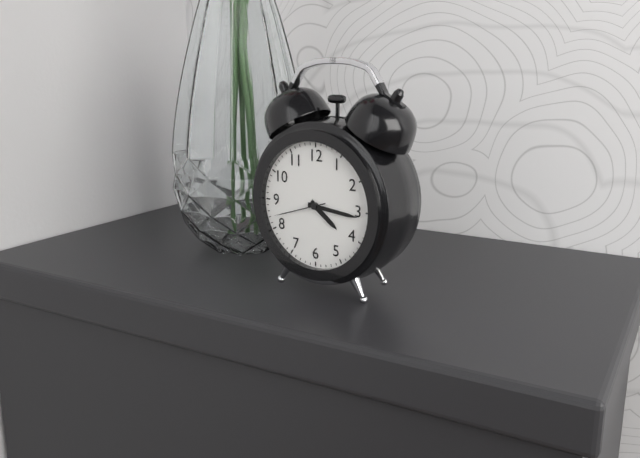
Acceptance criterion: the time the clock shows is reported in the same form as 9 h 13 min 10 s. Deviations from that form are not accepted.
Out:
4 h 16 min 42 s
